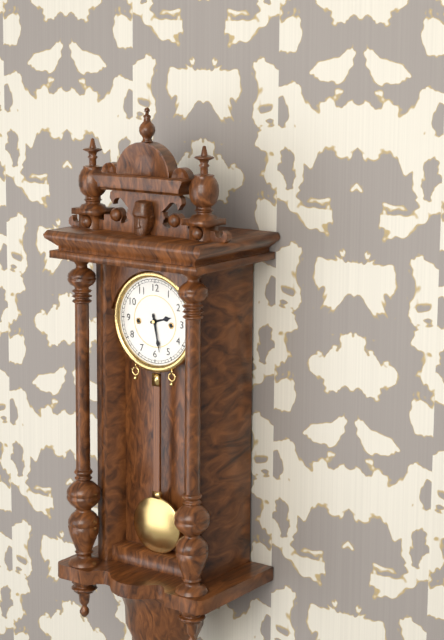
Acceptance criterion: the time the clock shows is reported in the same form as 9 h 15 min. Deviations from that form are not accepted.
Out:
2 h 28 min
